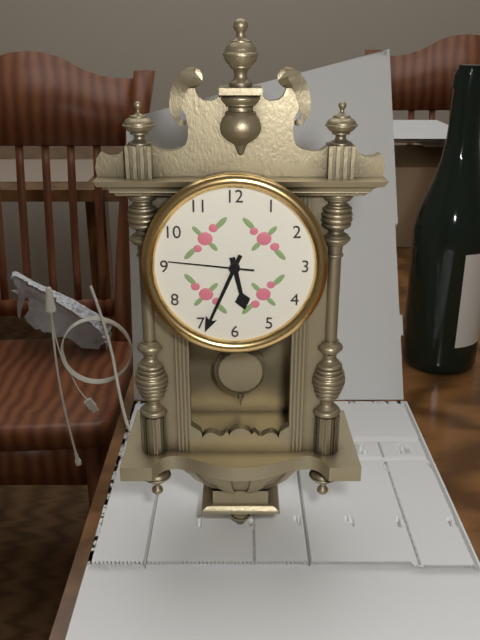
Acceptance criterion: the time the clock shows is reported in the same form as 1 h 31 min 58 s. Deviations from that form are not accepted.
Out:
5 h 34 min 46 s
